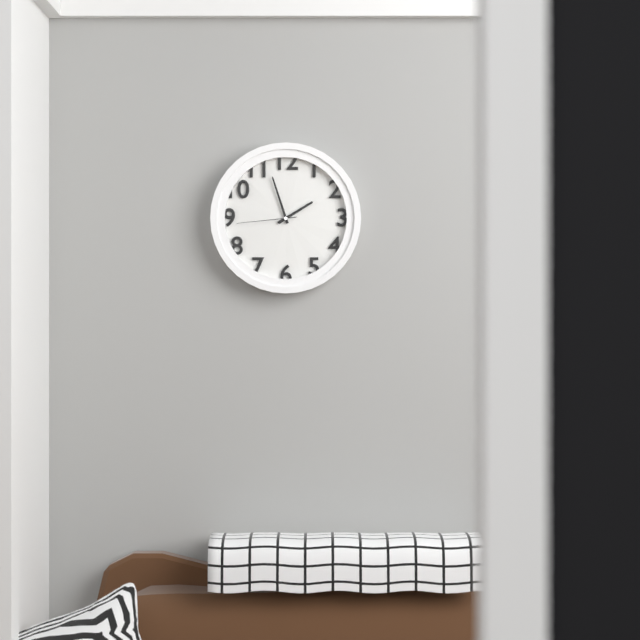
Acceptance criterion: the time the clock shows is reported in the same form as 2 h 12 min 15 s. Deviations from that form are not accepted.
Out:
1 h 57 min 44 s
